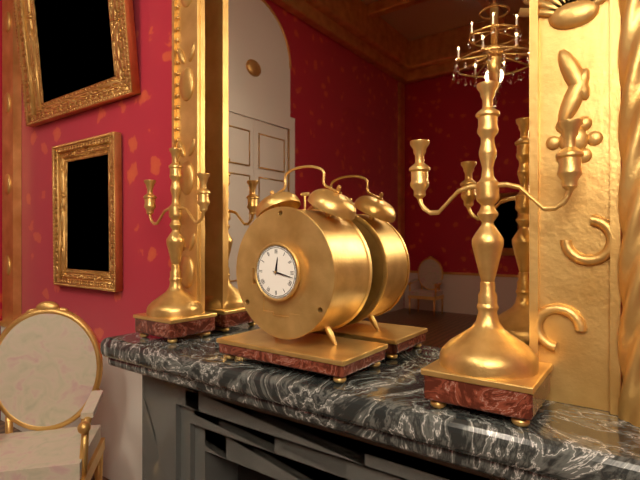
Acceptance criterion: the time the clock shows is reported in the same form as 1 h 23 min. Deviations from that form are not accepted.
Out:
12 h 17 min
